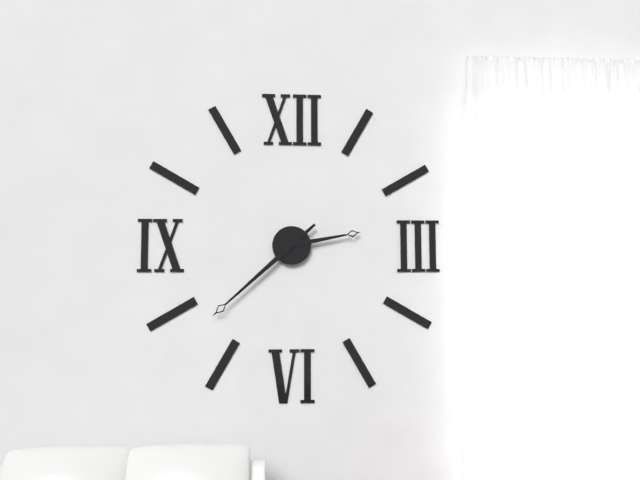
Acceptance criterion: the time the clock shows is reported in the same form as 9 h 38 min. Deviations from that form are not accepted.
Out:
2 h 38 min
